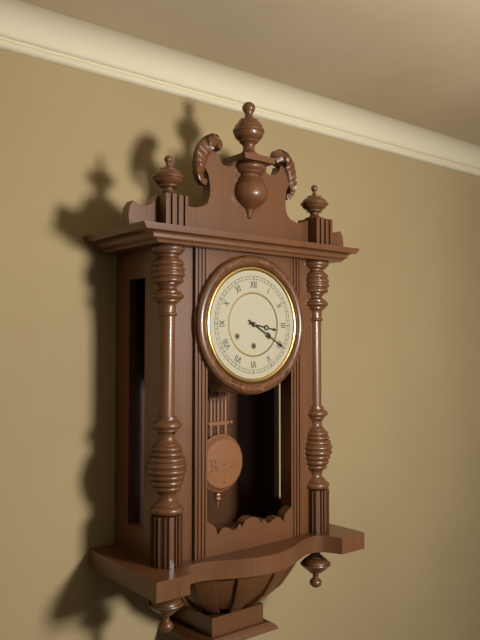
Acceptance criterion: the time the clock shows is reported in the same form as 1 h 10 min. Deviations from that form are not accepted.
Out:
3 h 20 min
